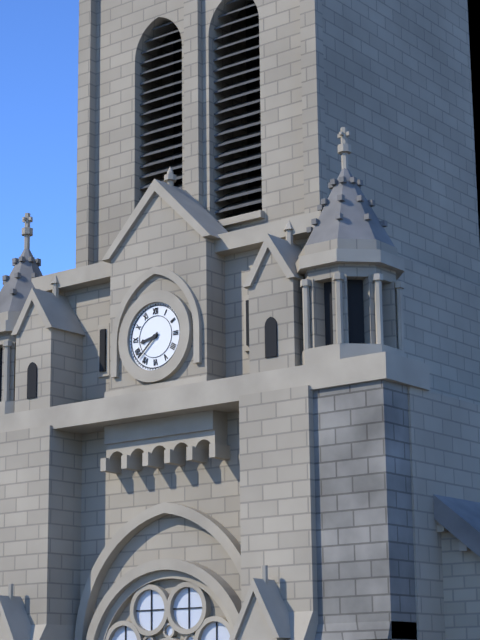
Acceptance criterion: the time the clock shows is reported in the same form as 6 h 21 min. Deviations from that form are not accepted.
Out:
8 h 38 min
